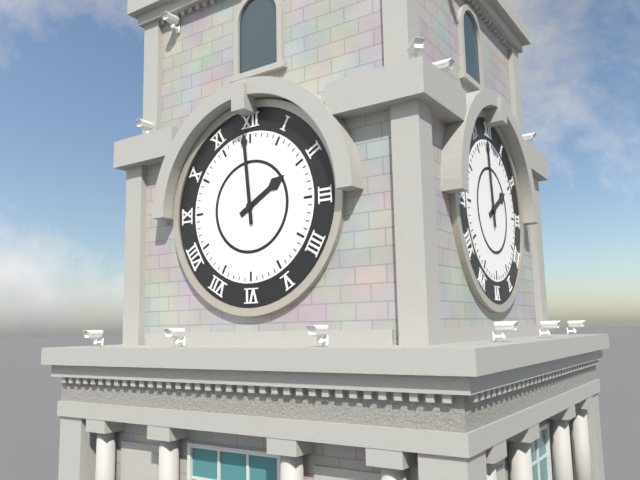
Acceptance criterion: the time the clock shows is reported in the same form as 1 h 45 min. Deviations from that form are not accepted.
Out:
1 h 59 min
